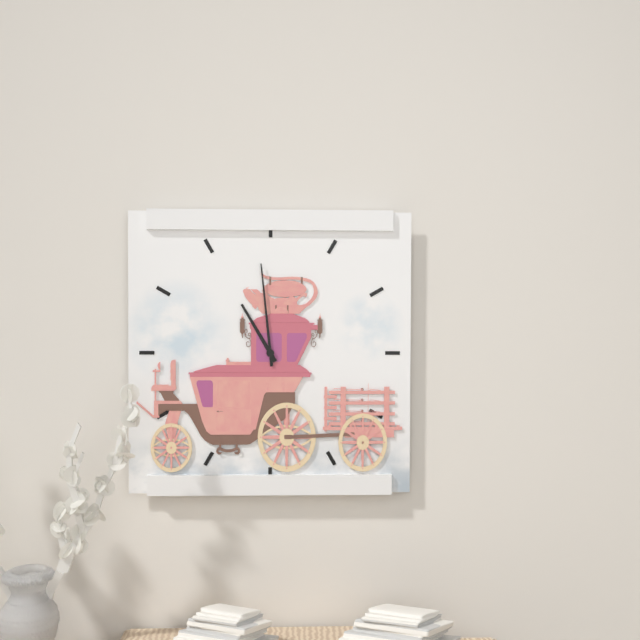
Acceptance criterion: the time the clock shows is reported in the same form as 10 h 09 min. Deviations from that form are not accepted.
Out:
10 h 59 min
